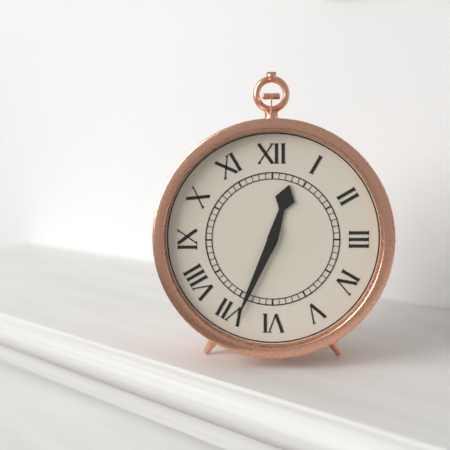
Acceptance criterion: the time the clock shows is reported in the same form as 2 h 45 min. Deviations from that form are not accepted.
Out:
12 h 34 min
